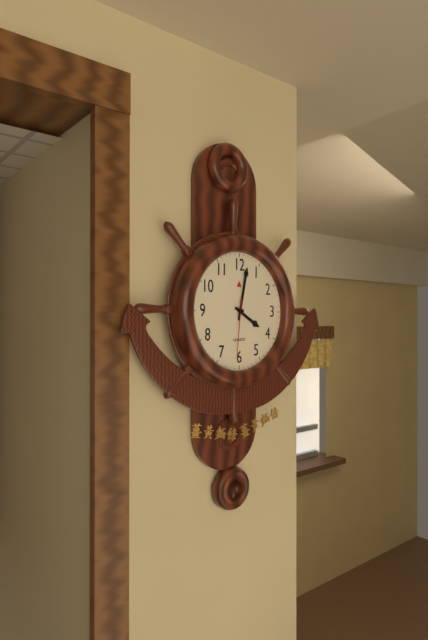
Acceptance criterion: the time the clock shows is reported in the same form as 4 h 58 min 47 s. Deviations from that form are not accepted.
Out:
4 h 02 min 31 s
